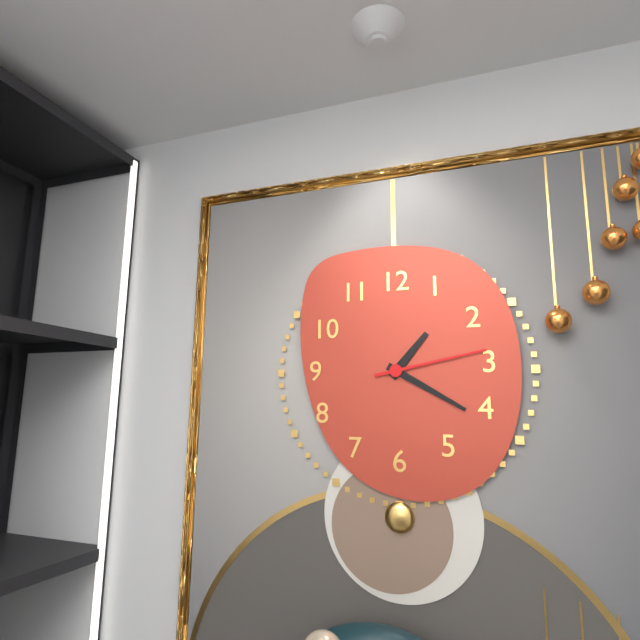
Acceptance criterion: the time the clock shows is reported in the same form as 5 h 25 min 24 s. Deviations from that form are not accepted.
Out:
1 h 20 min 13 s
